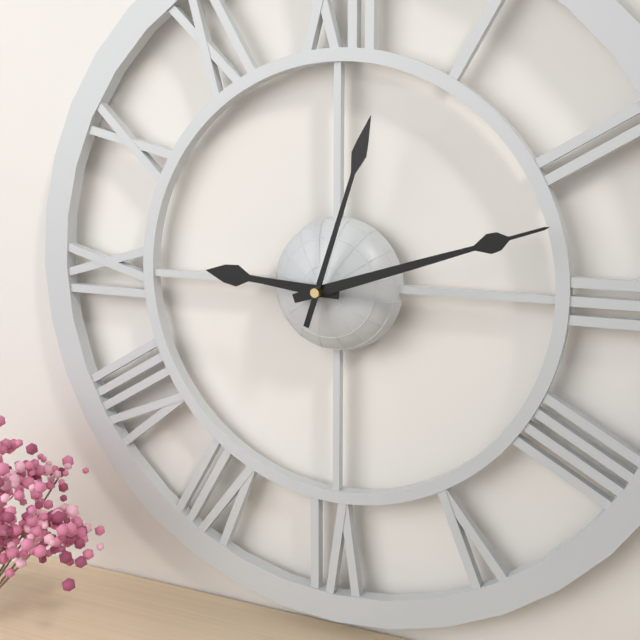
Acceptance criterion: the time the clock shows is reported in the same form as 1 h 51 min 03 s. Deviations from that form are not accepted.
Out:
9 h 12 min 03 s
